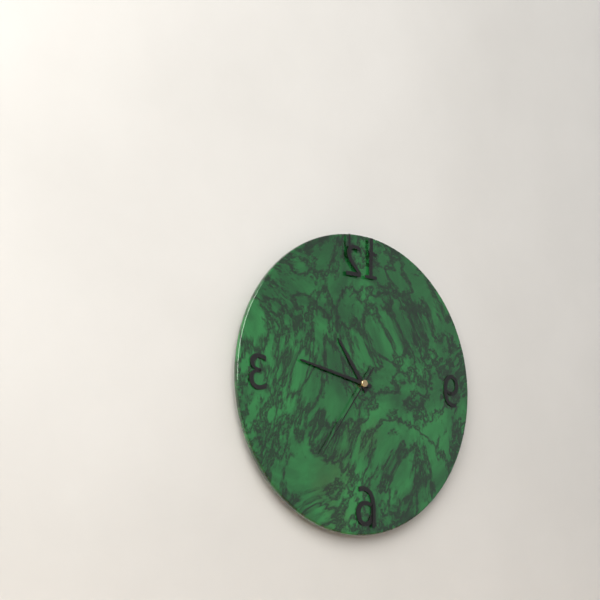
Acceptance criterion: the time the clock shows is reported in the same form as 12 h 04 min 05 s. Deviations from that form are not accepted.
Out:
10 h 47 min 36 s
